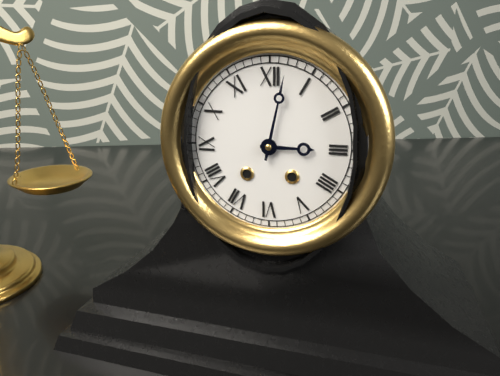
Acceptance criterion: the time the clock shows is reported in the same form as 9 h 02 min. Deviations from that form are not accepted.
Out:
3 h 02 min
